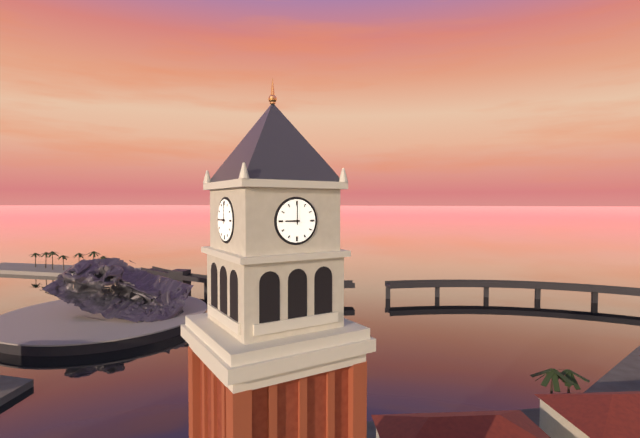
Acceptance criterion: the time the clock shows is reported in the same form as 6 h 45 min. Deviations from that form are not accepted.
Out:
9 h 00 min
